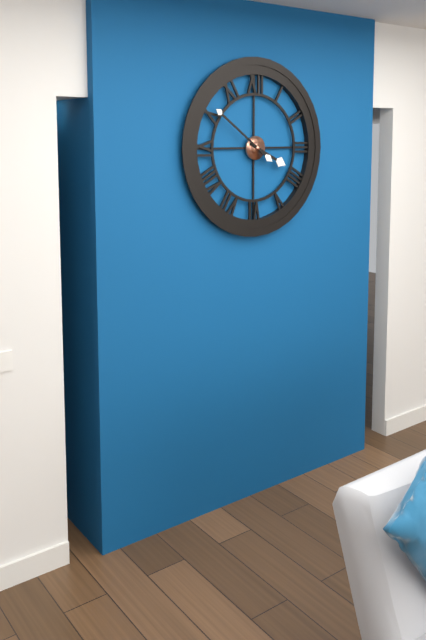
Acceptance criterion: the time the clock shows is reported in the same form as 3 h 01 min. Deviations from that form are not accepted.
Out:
3 h 51 min
